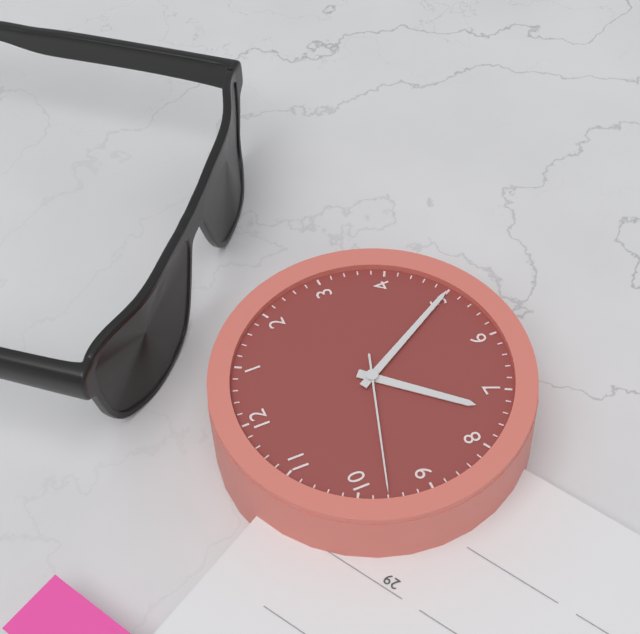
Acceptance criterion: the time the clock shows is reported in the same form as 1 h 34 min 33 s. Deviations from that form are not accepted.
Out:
7 h 25 min 48 s
